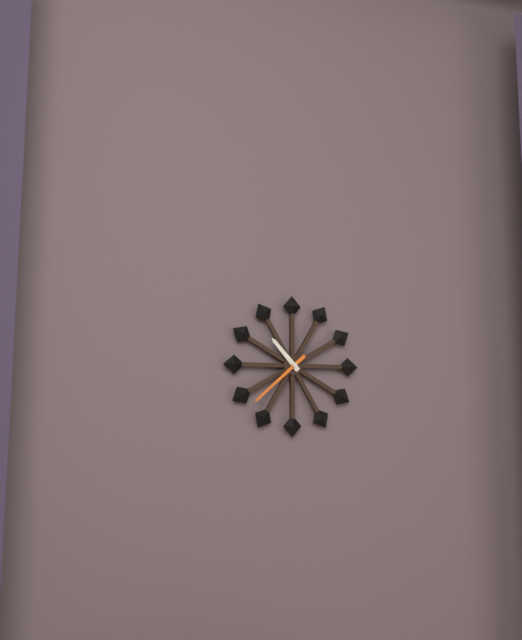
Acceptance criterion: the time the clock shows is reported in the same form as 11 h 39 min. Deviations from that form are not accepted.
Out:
10 h 38 min
